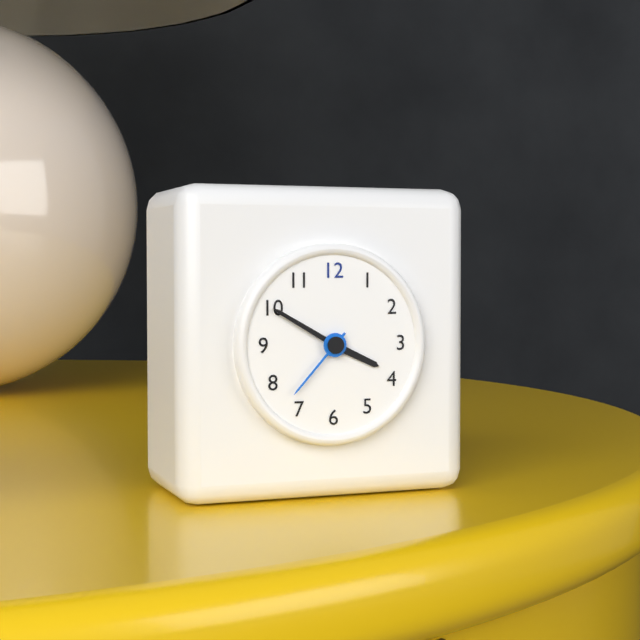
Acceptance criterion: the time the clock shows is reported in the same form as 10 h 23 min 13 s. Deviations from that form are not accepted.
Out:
3 h 50 min 37 s
